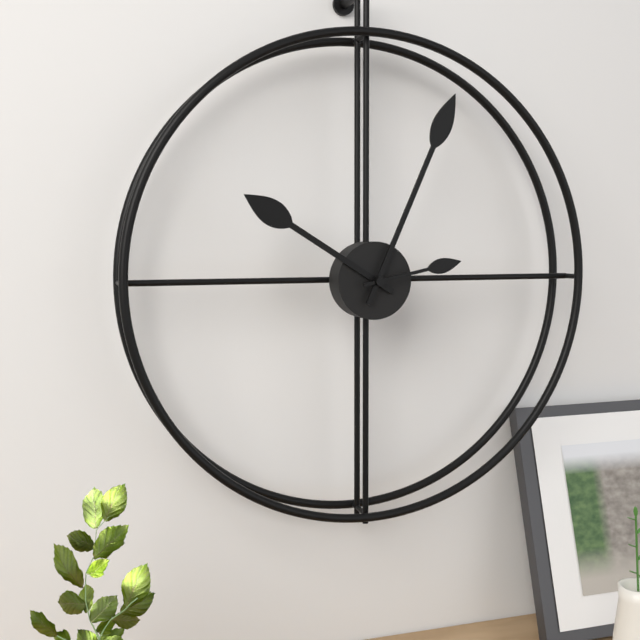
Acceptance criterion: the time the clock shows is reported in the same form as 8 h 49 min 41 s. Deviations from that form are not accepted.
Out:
10 h 04 min 13 s
